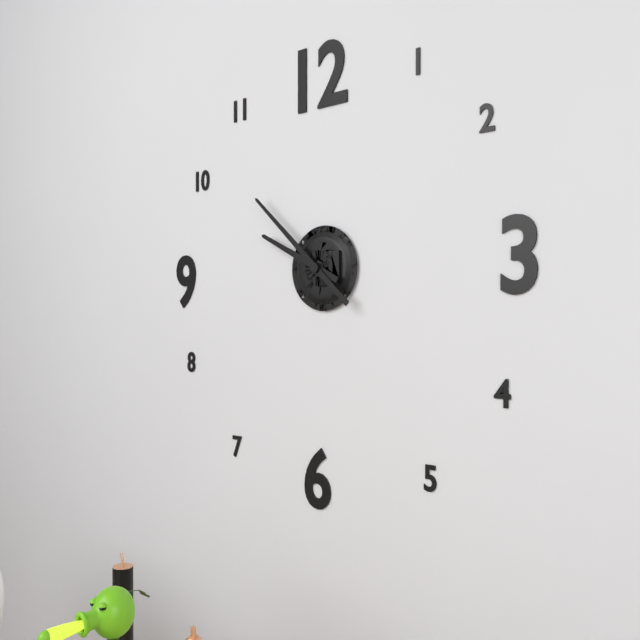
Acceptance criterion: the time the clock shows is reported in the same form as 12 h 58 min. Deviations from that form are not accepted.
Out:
9 h 52 min
